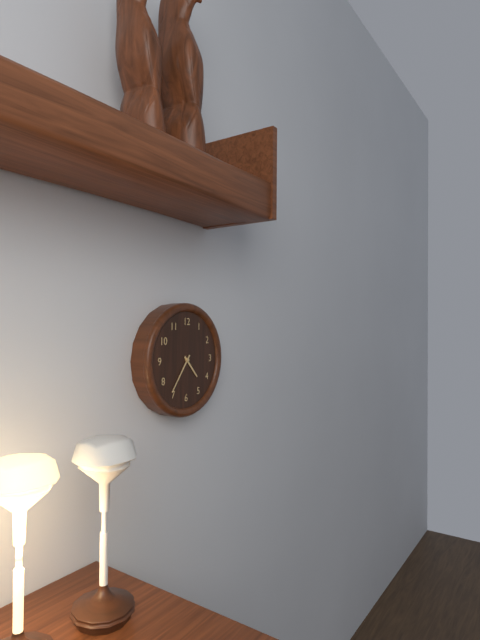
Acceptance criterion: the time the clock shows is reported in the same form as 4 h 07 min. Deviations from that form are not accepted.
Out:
4 h 36 min
